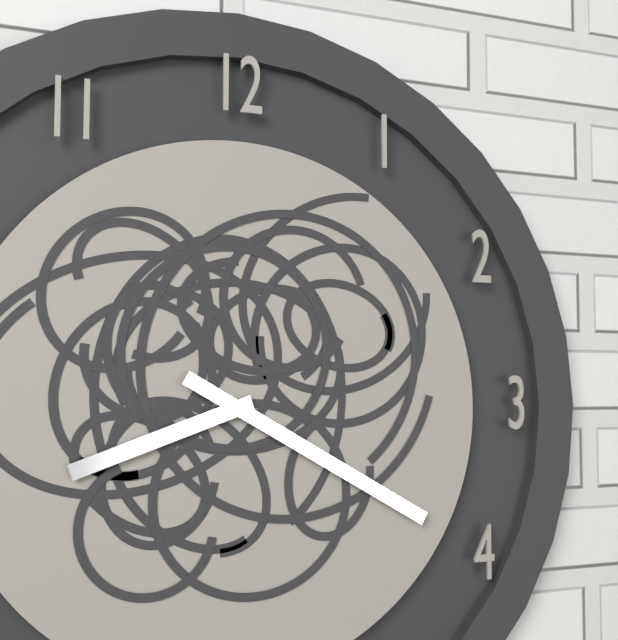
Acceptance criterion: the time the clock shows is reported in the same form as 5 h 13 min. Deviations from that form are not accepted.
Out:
8 h 20 min
